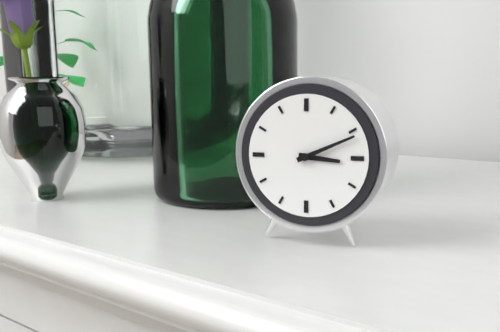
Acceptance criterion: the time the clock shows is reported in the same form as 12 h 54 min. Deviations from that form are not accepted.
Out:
3 h 11 min
